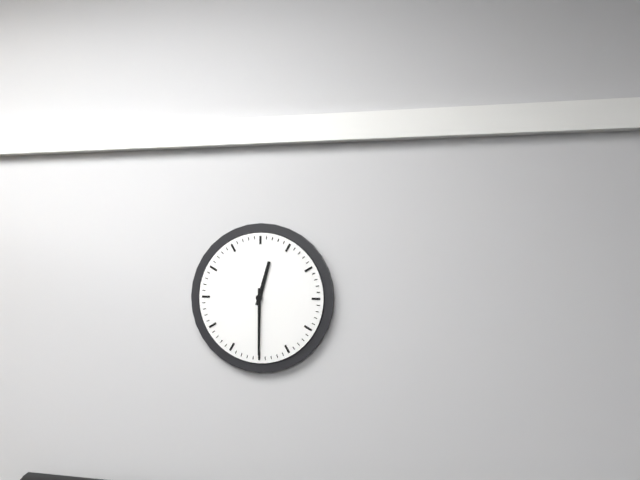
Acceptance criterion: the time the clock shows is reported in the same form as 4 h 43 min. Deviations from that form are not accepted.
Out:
12 h 30 min
